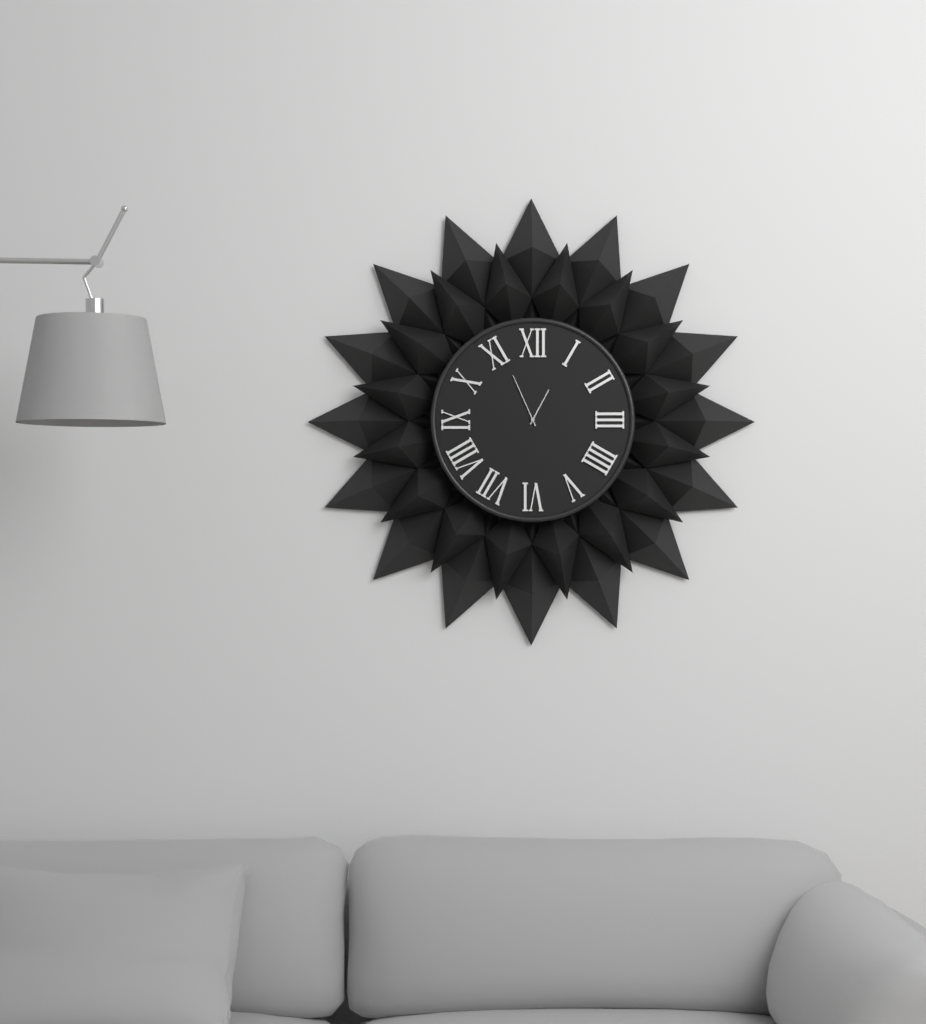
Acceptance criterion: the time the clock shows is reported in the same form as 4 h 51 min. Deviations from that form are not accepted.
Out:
12 h 56 min
